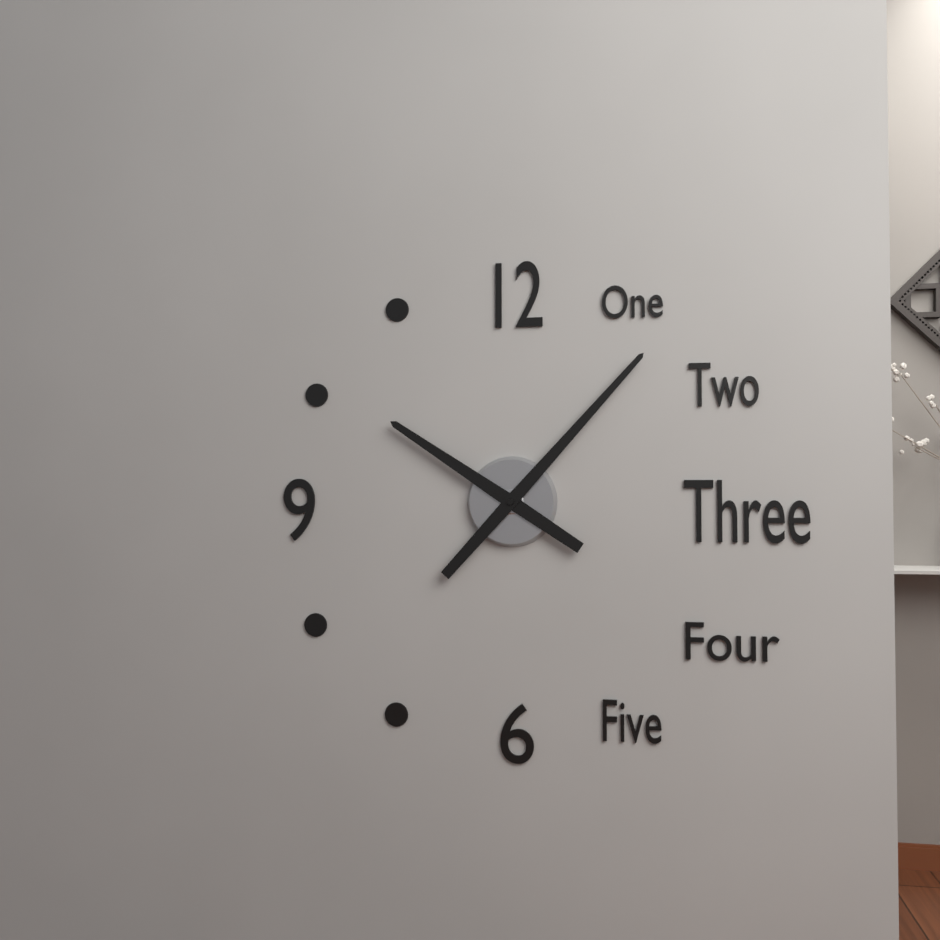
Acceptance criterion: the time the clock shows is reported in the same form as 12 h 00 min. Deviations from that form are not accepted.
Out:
10 h 07 min
